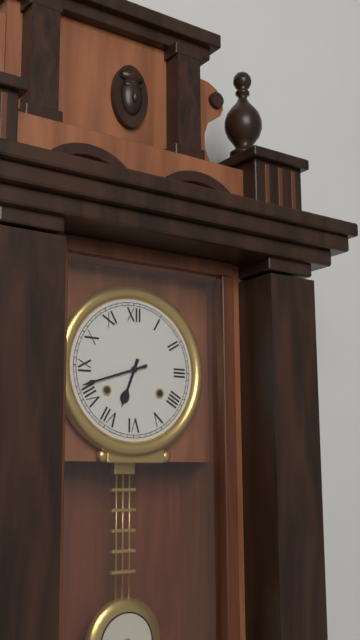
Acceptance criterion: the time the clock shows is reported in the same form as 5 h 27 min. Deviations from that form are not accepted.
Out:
6 h 42 min
